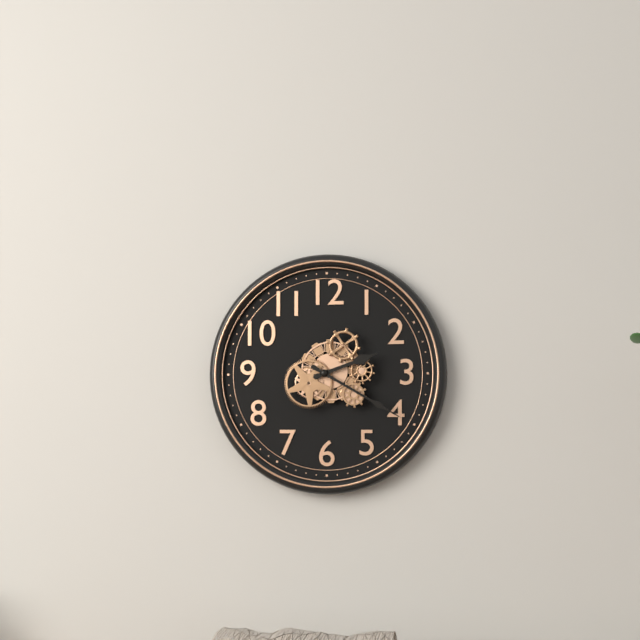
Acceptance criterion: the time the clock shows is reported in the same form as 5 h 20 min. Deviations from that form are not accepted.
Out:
2 h 20 min
